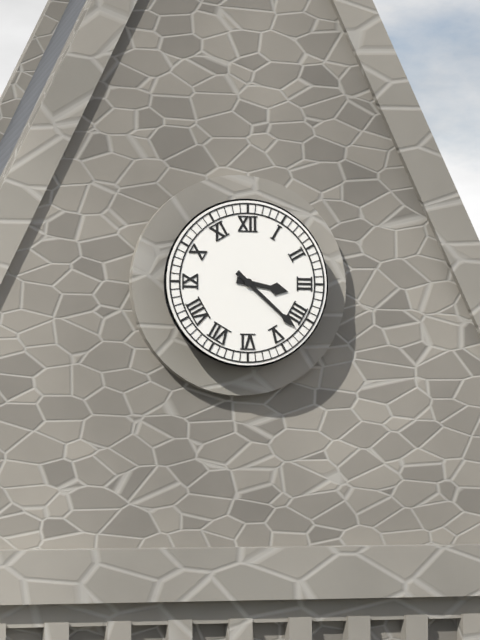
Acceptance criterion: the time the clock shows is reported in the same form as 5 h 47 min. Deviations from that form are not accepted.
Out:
3 h 22 min
